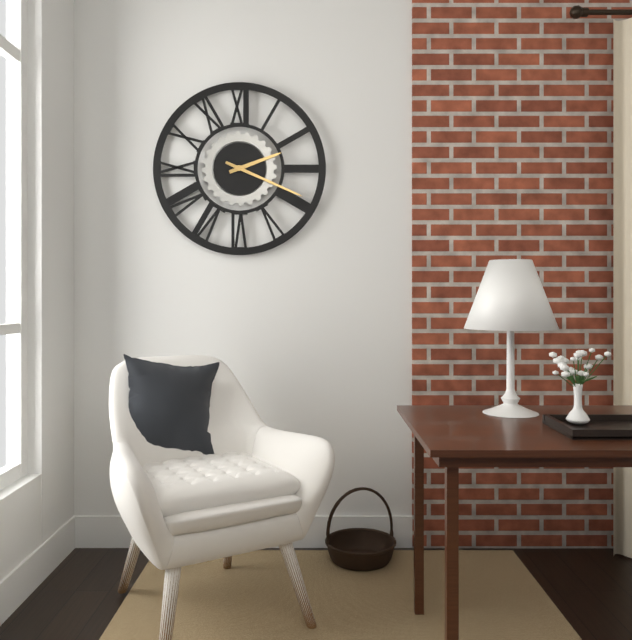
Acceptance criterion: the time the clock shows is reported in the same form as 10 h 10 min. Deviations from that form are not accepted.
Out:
2 h 19 min
